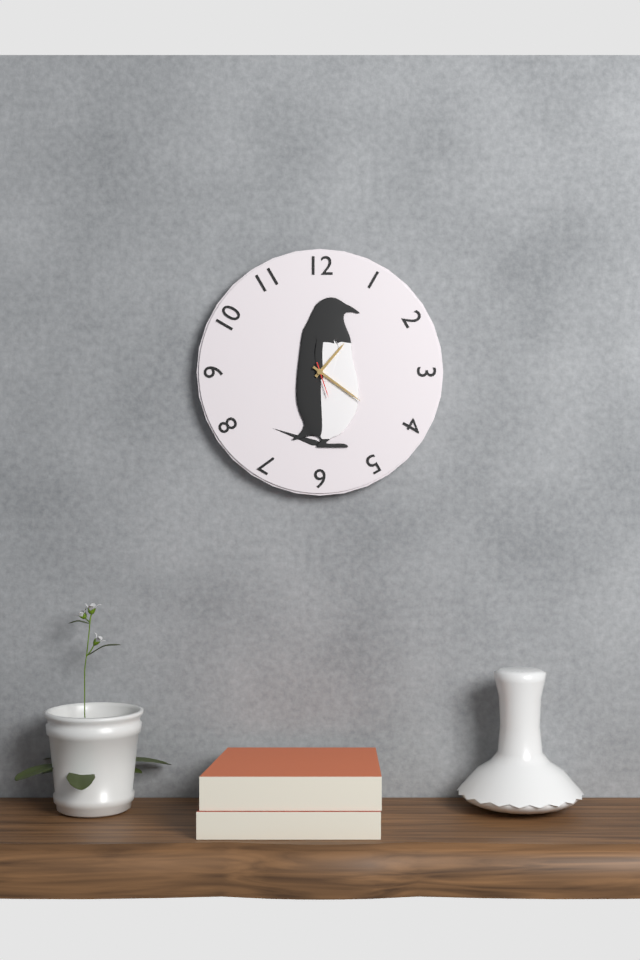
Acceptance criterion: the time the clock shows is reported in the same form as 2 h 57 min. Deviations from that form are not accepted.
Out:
1 h 21 min
